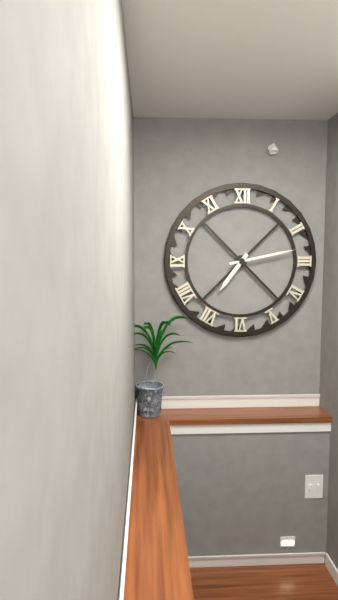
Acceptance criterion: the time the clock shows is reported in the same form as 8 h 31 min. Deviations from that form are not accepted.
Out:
7 h 13 min
